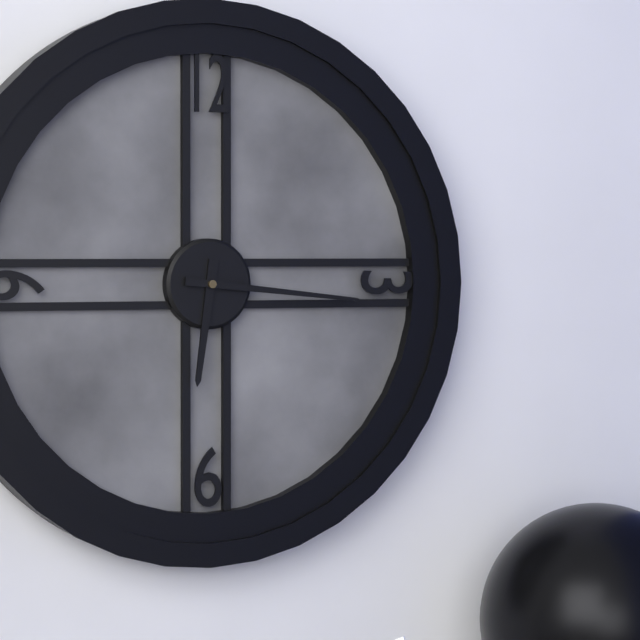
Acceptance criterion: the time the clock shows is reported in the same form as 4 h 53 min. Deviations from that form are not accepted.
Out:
6 h 16 min
